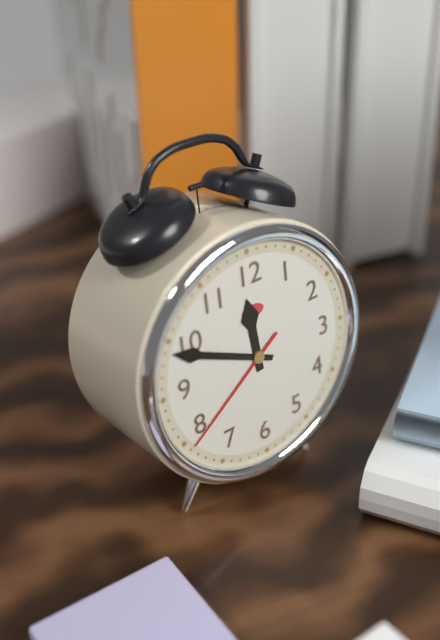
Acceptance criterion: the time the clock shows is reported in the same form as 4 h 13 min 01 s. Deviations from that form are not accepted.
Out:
11 h 49 min 39 s
